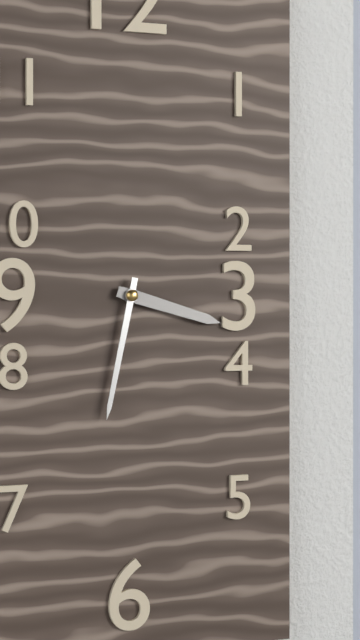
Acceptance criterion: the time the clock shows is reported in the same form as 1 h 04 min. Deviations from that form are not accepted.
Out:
3 h 32 min
